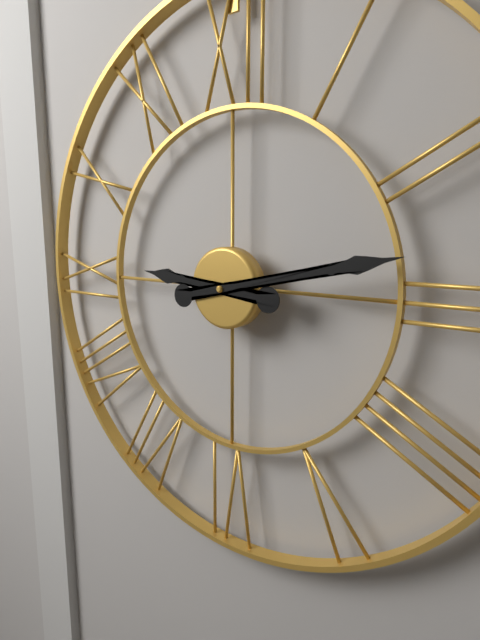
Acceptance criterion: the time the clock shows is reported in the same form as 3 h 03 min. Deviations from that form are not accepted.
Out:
9 h 13 min
